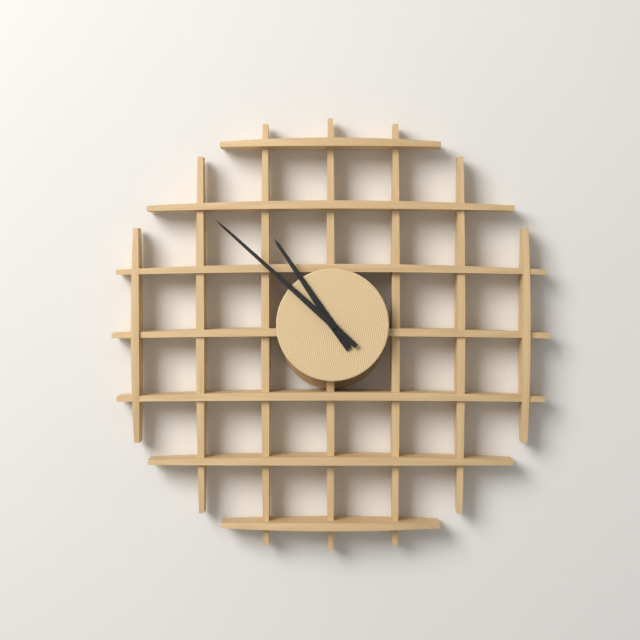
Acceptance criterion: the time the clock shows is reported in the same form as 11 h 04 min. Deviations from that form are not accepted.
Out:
10 h 52 min
